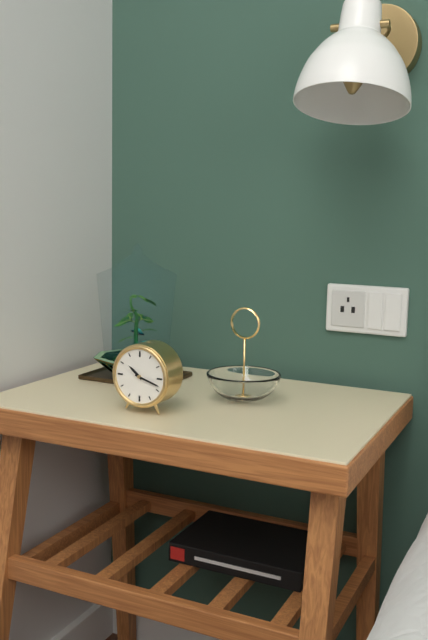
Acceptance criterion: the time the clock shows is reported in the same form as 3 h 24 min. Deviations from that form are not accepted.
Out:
10 h 18 min
